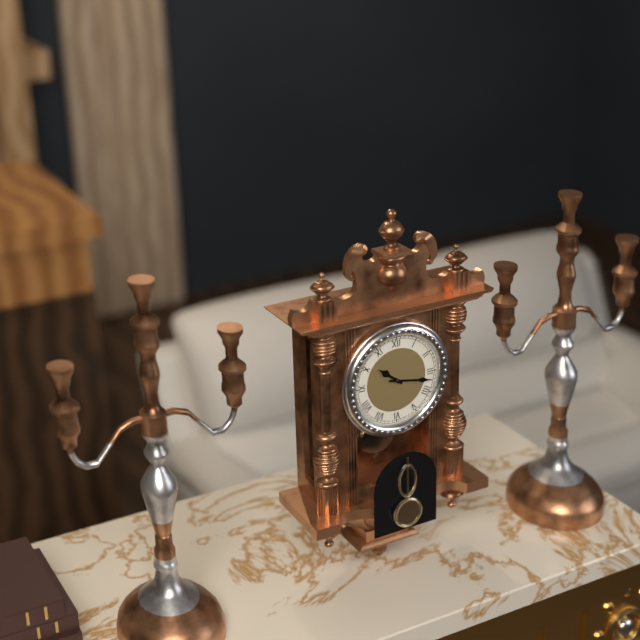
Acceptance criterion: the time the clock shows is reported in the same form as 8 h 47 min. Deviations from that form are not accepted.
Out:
10 h 17 min
